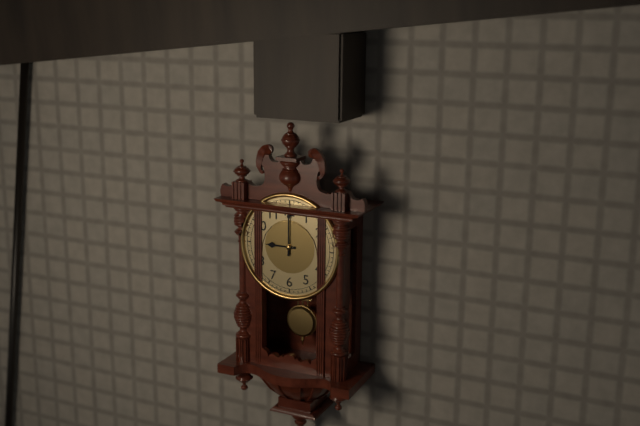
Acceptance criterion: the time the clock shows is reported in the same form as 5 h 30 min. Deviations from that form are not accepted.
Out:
9 h 00 min
